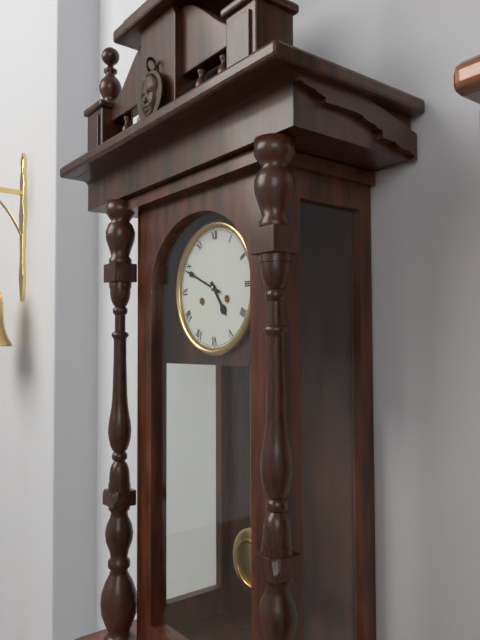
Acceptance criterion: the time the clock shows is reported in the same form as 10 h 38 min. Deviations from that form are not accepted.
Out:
4 h 49 min
